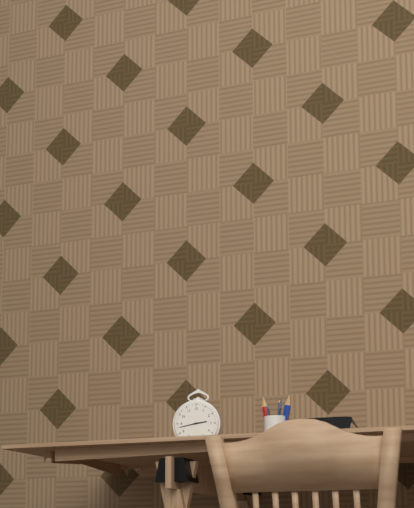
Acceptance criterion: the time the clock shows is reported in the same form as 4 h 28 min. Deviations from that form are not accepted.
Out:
2 h 43 min
